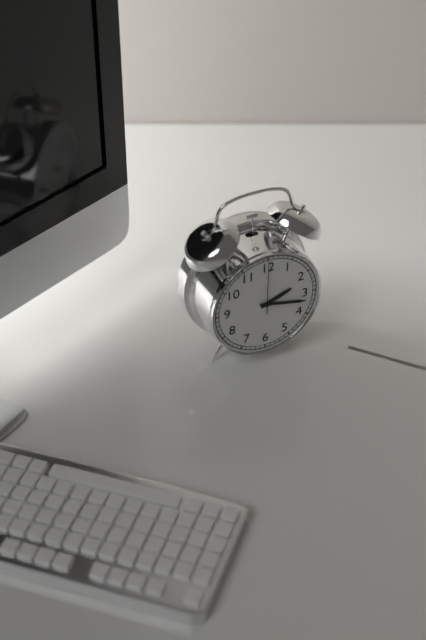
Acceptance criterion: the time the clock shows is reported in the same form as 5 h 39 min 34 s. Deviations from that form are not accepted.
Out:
2 h 17 min 00 s
